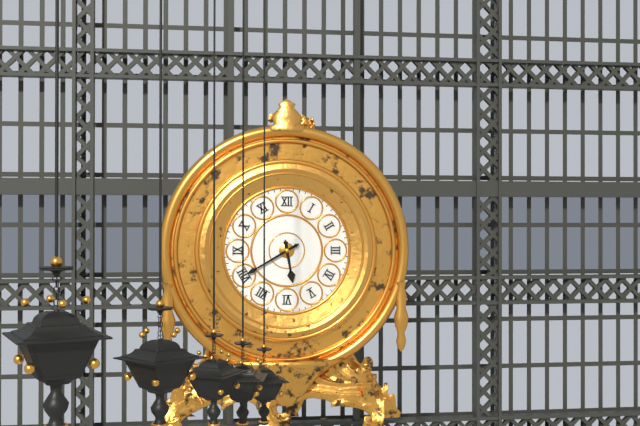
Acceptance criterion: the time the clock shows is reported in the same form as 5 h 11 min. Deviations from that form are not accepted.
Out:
5 h 40 min
